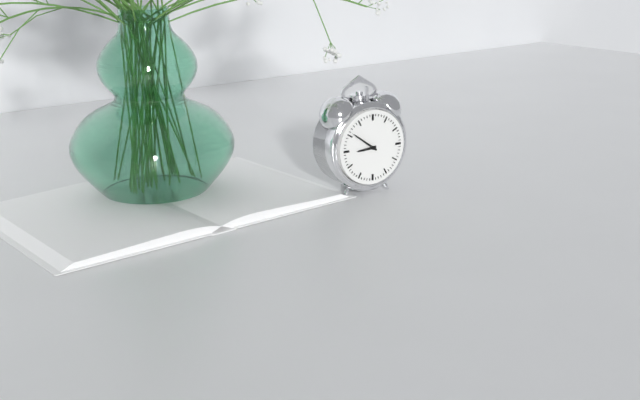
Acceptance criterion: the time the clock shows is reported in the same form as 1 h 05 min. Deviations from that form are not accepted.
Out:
8 h 51 min
